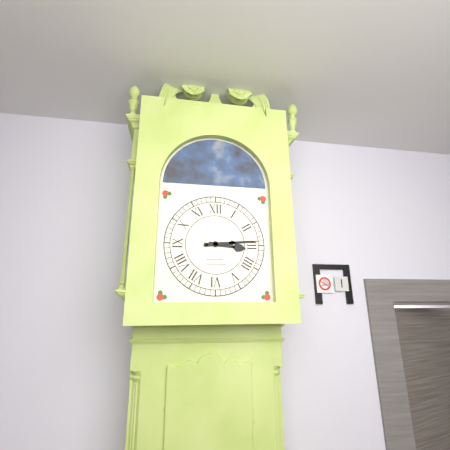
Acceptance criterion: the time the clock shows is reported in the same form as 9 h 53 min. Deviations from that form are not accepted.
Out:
3 h 14 min
